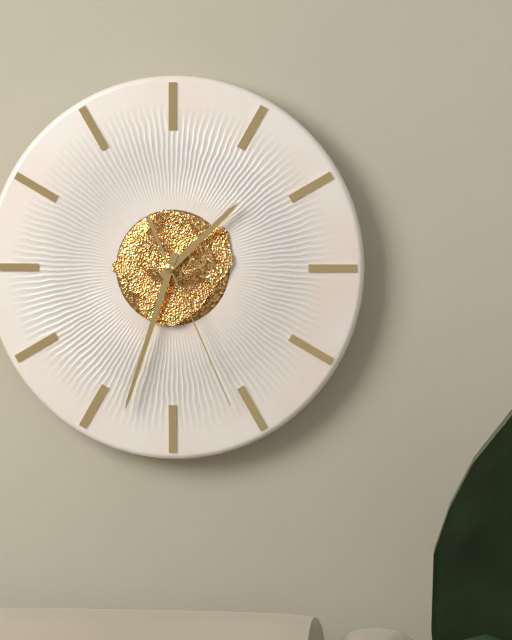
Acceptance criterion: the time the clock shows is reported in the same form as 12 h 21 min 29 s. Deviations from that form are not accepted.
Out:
1 h 33 min 26 s
